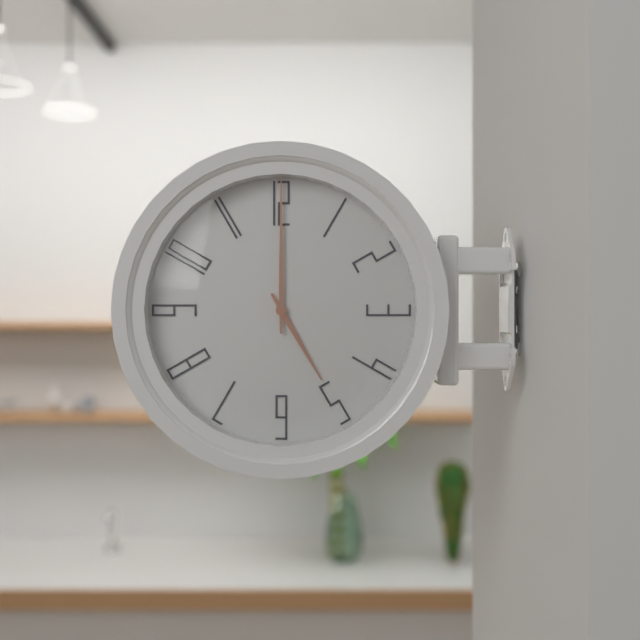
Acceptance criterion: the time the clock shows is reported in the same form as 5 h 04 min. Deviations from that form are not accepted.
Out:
5 h 00 min
